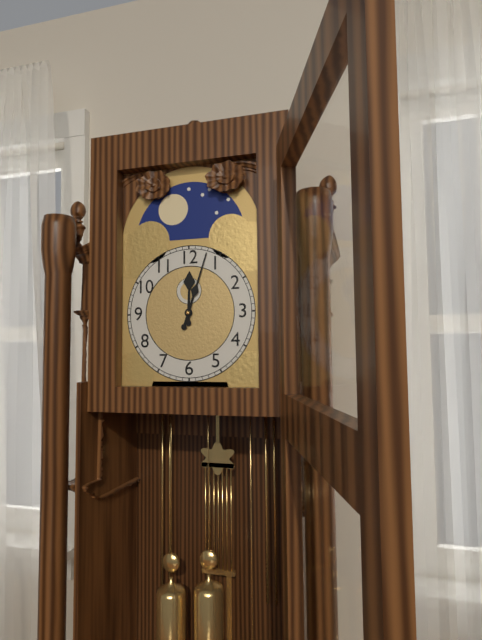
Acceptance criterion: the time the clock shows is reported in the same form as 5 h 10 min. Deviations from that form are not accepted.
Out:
12 h 03 min
